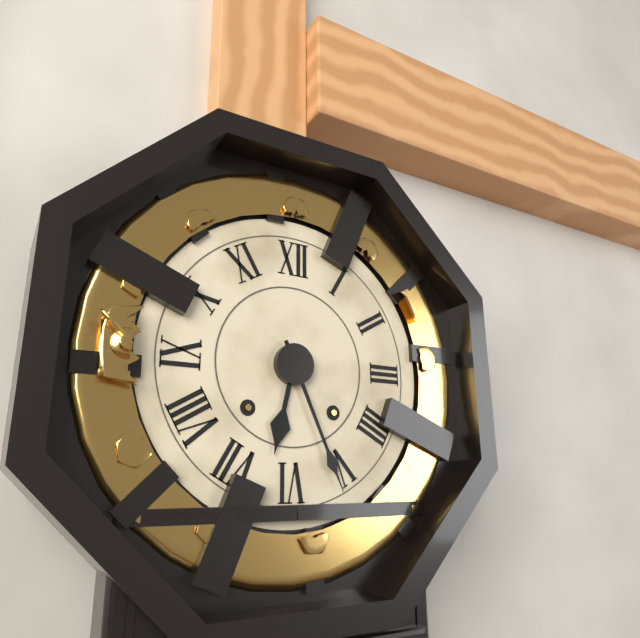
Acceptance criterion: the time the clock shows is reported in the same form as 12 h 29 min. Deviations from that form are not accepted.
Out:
6 h 26 min
